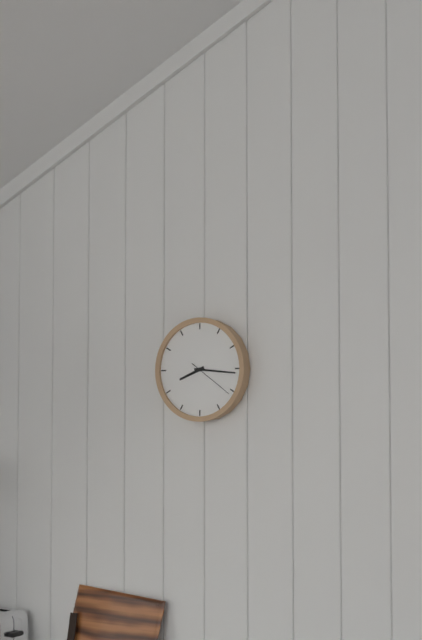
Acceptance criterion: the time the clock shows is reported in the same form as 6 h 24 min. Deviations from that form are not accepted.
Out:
8 h 16 min
